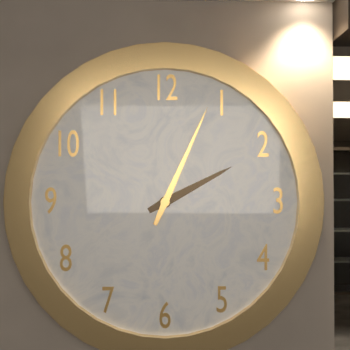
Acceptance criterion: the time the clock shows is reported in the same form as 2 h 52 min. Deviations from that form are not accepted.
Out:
2 h 04 min
